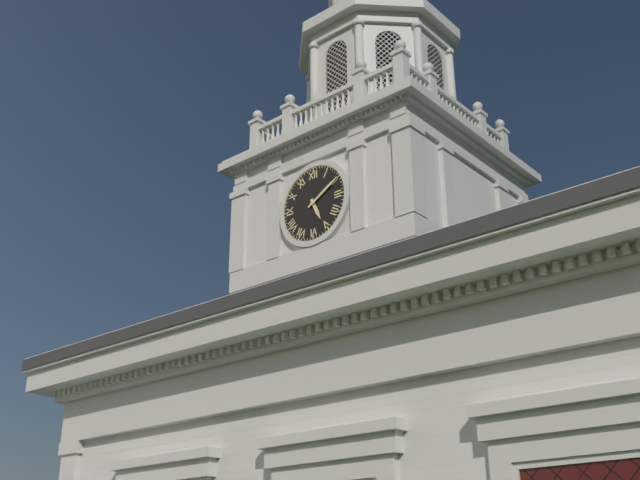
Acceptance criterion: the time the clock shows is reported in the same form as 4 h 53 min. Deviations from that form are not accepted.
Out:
5 h 10 min
